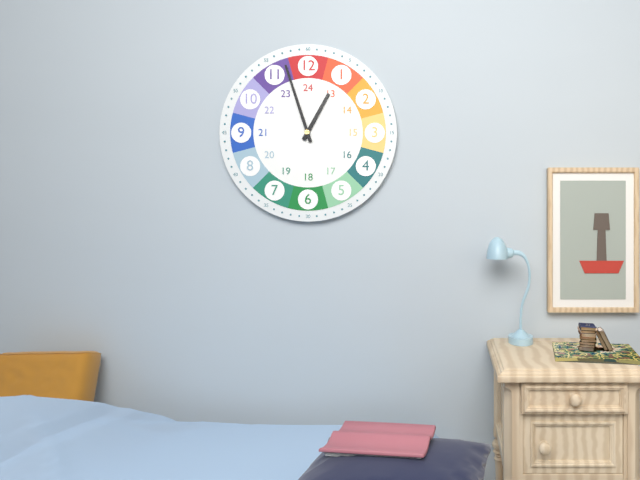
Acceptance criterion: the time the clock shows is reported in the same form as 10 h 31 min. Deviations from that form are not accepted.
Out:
12 h 57 min
